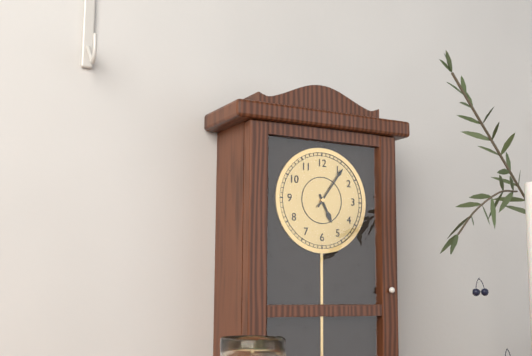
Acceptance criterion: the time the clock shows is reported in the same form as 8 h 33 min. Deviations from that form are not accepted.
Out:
5 h 06 min
